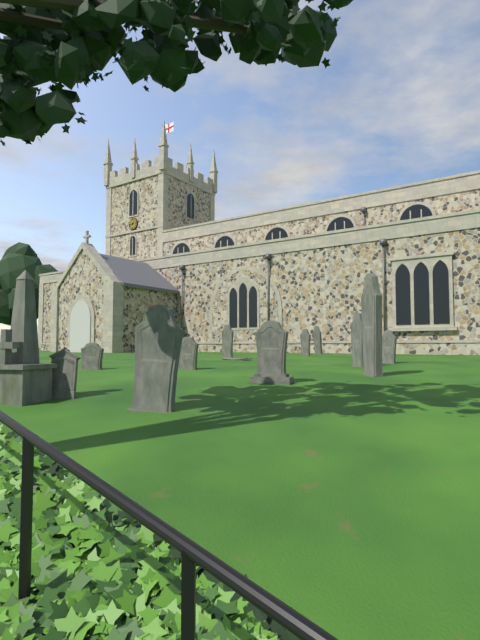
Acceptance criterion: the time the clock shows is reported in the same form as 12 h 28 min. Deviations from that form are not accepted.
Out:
1 h 42 min
